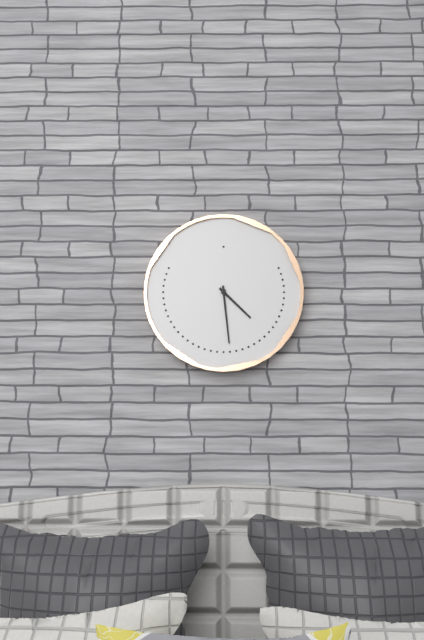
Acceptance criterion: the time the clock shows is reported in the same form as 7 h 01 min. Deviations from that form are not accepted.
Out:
4 h 29 min
